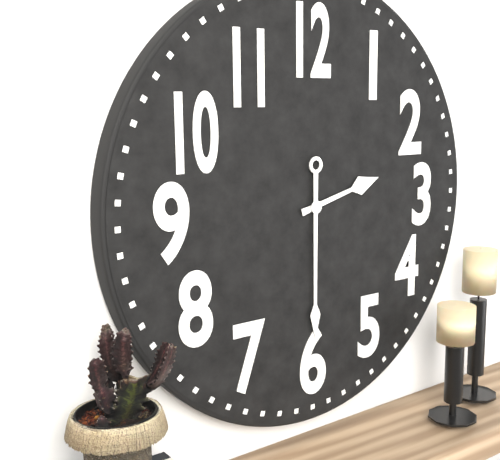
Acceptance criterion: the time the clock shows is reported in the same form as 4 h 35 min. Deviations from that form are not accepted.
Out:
2 h 30 min
